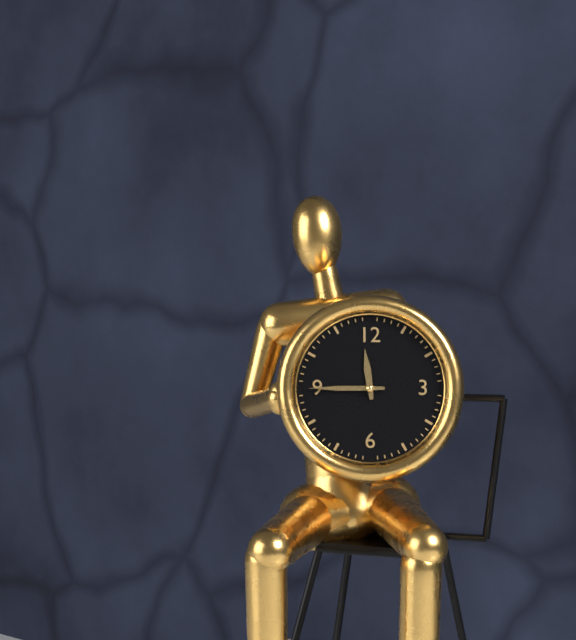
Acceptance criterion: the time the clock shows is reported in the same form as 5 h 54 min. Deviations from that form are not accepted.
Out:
11 h 45 min
